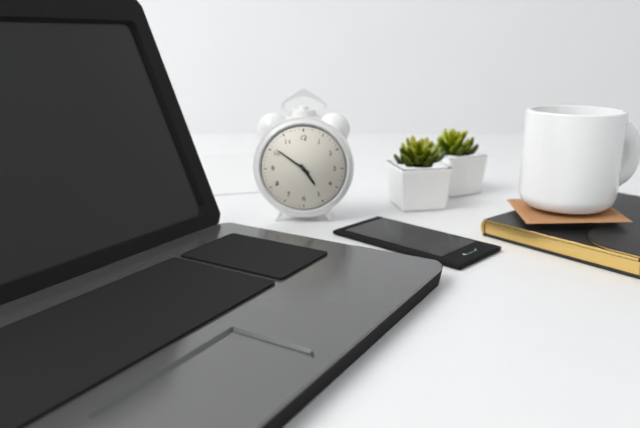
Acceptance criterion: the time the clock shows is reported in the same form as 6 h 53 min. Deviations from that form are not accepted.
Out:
4 h 51 min
